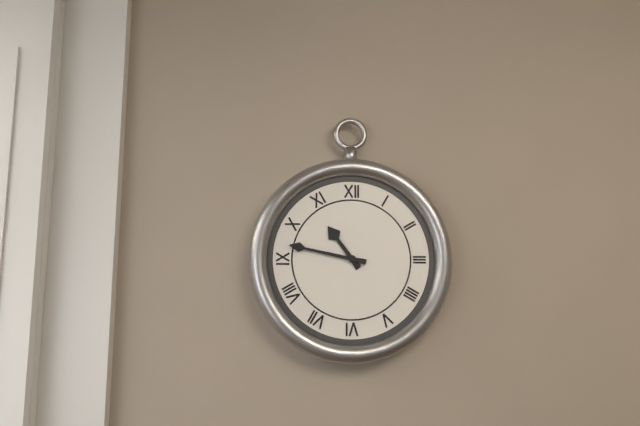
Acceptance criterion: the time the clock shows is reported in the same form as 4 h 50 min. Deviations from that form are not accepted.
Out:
10 h 47 min
